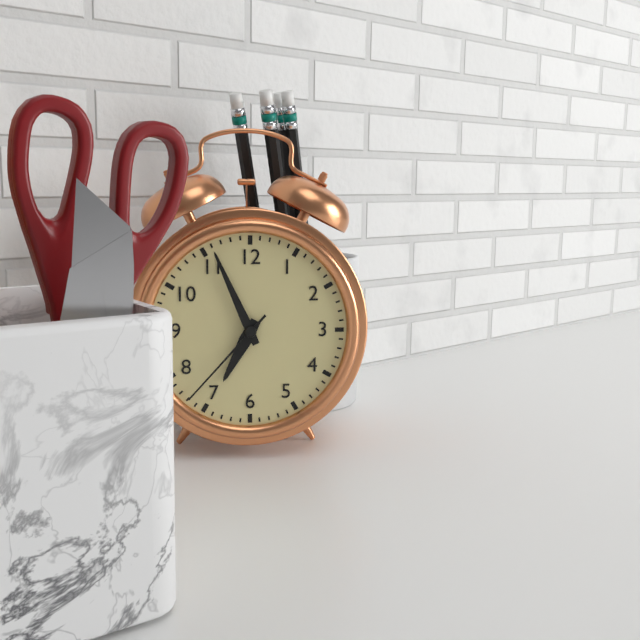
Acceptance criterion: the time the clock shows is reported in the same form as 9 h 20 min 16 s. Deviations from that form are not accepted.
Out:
6 h 56 min 37 s
